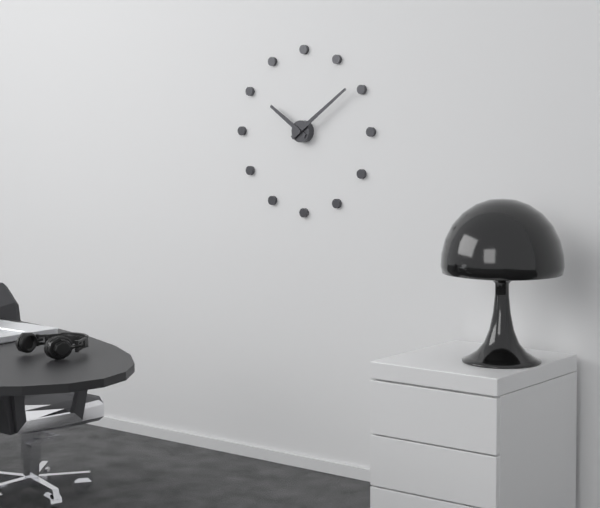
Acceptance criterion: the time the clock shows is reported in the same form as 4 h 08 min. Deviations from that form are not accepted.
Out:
10 h 09 min
